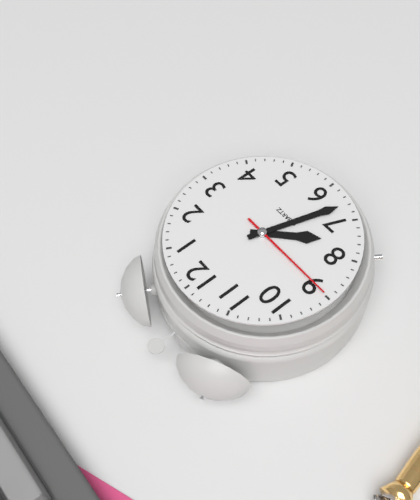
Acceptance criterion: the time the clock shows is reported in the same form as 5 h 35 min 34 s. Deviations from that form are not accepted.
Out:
7 h 33 min 45 s
